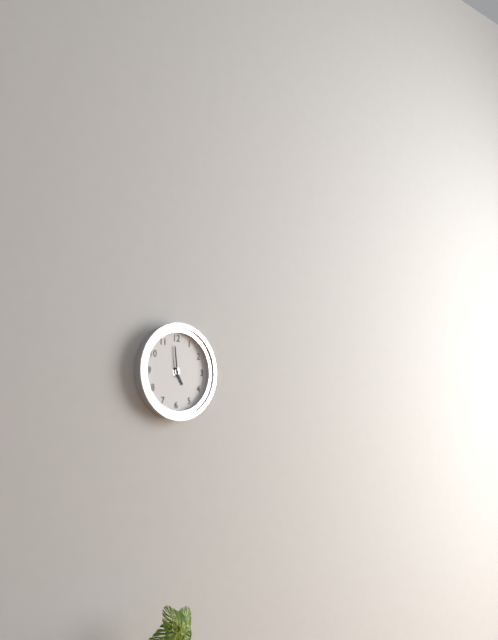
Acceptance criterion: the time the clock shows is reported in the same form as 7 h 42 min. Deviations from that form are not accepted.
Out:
4 h 59 min
